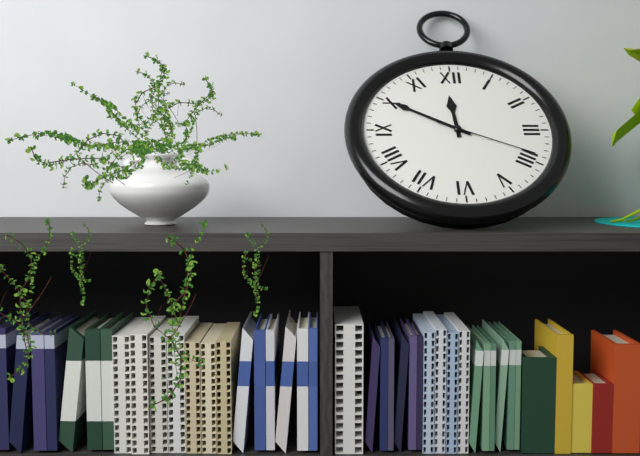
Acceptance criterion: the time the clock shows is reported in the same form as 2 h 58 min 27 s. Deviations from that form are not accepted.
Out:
11 h 50 min 19 s
